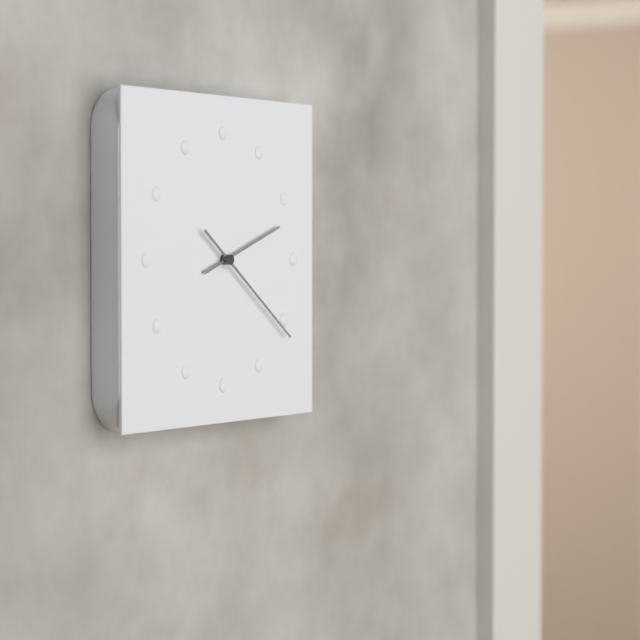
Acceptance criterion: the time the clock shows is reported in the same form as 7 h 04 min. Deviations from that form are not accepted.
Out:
2 h 21 min
